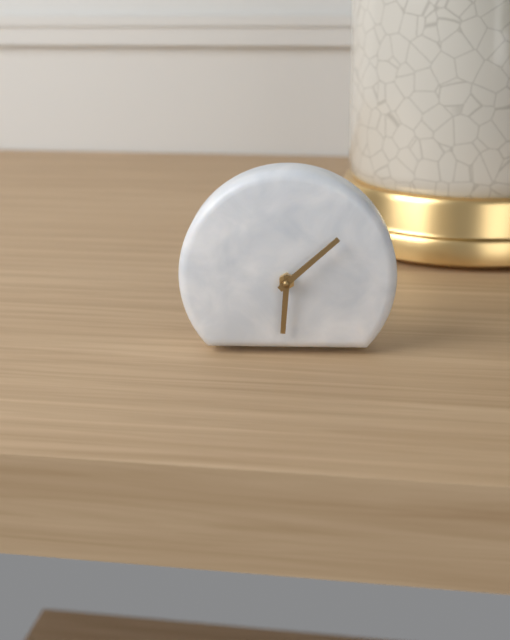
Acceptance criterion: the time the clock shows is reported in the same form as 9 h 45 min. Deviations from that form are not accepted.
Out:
6 h 08 min
